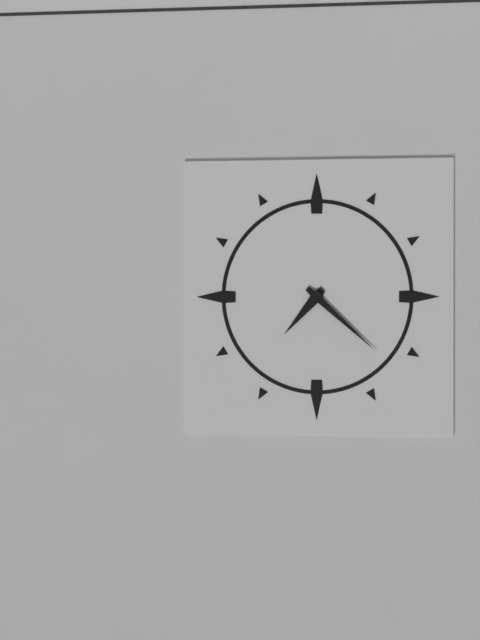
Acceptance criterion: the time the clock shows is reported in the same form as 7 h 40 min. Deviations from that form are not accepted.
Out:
7 h 22 min
